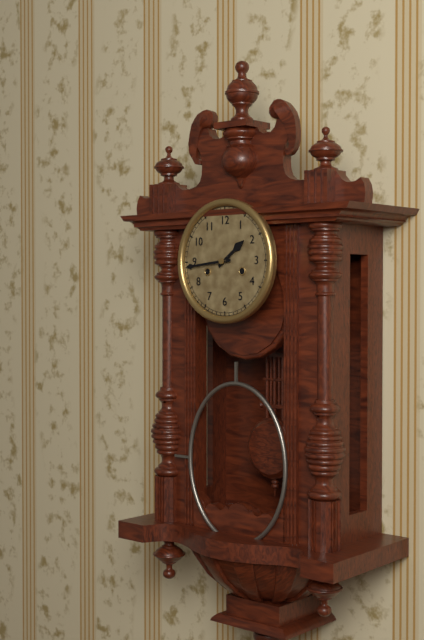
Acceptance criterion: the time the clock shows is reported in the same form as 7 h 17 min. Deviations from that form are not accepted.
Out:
1 h 44 min
